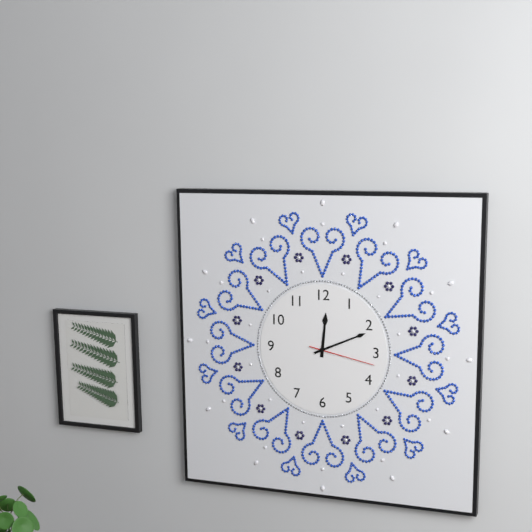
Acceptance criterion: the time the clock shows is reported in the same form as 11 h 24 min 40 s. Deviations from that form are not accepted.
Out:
12 h 11 min 17 s
